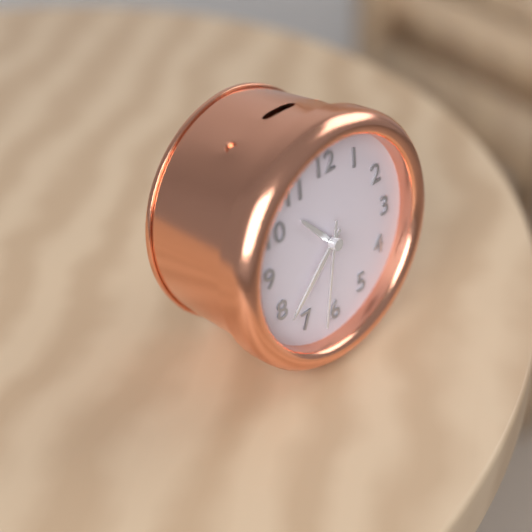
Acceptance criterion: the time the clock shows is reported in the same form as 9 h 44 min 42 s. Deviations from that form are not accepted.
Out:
10 h 38 min 32 s
